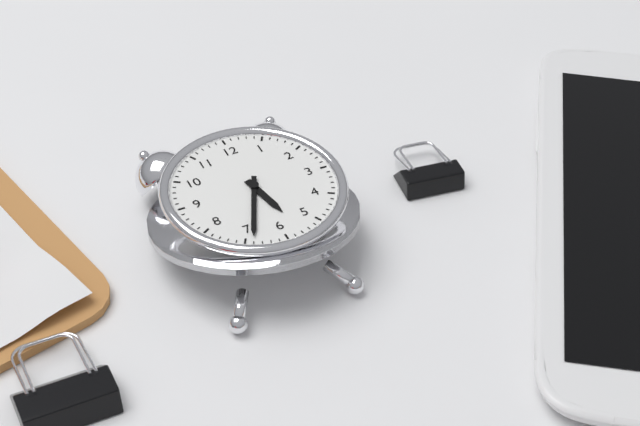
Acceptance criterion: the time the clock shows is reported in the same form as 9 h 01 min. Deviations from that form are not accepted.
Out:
5 h 34 min
